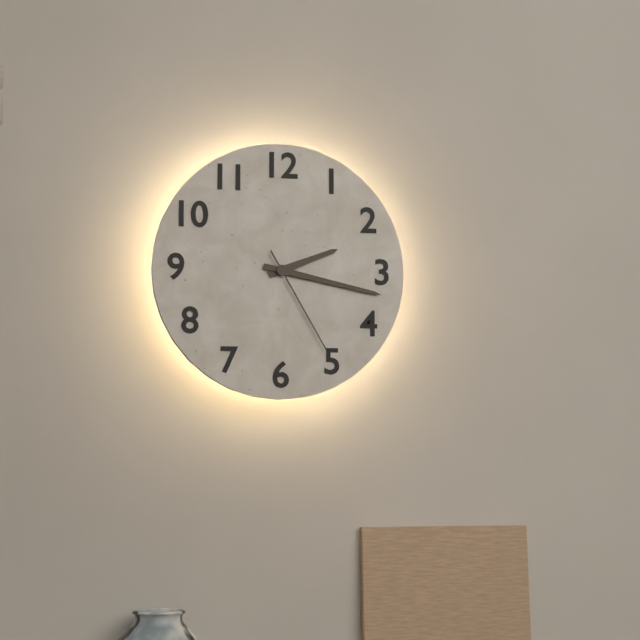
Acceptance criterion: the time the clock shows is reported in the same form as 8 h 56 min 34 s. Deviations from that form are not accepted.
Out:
2 h 17 min 25 s
